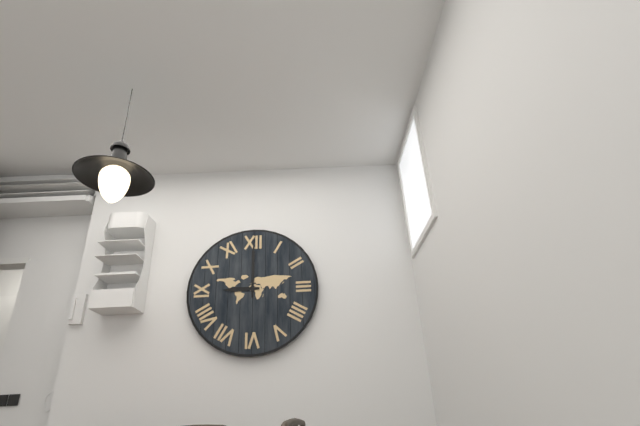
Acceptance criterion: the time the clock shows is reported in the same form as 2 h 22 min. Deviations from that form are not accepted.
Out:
9 h 00 min
